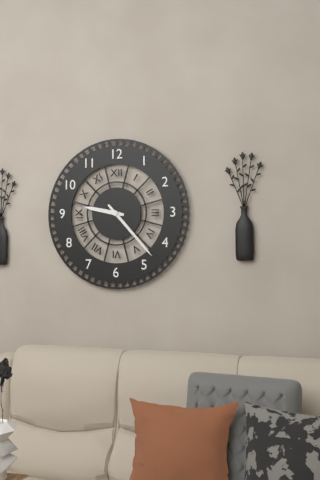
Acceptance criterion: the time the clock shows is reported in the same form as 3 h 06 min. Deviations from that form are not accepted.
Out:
9 h 23 min
